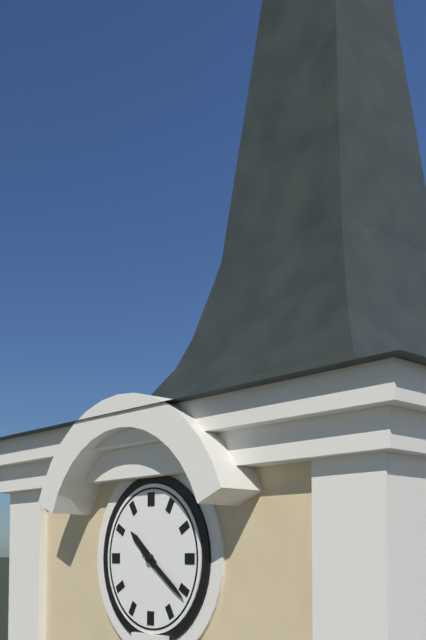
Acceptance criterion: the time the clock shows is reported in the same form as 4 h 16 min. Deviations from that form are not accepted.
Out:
10 h 21 min
